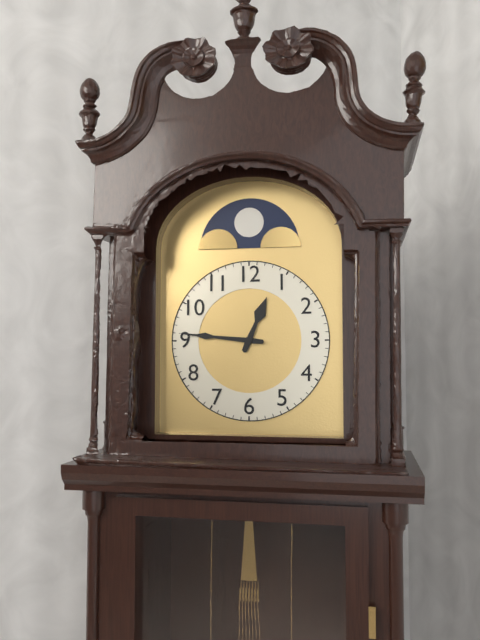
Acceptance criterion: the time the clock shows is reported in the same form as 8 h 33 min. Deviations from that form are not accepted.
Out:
12 h 46 min
